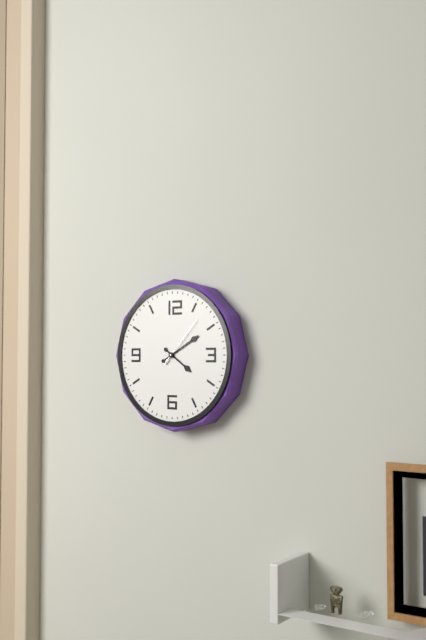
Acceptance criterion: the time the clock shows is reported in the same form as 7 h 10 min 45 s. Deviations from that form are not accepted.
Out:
4 h 10 min 07 s
